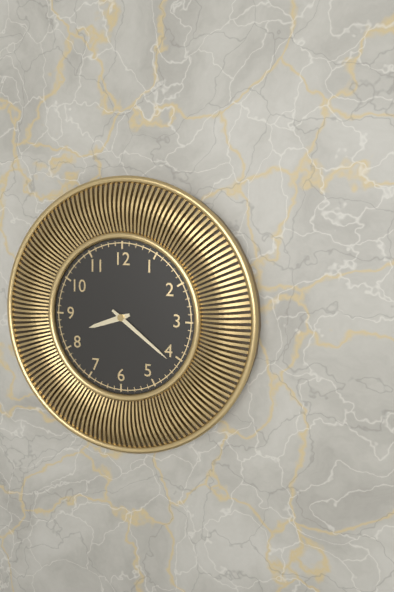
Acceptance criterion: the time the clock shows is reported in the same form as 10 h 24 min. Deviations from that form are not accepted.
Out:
8 h 21 min
